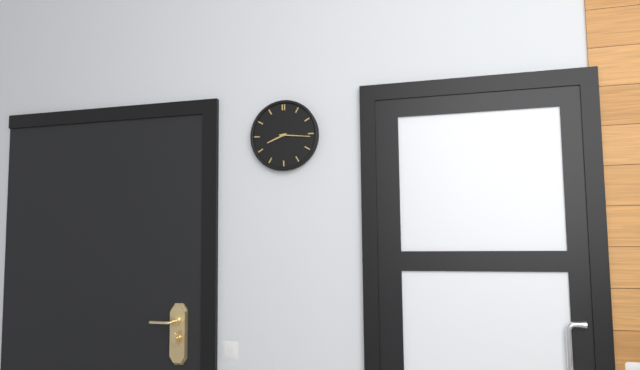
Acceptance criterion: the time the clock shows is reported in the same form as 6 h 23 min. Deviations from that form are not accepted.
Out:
8 h 16 min
